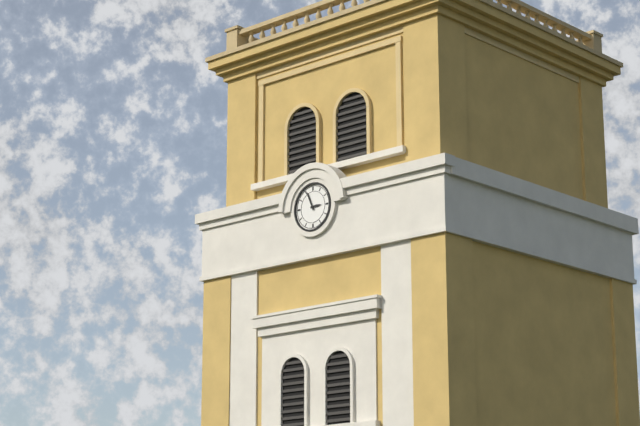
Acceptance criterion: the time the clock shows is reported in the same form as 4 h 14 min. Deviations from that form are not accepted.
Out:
2 h 56 min
